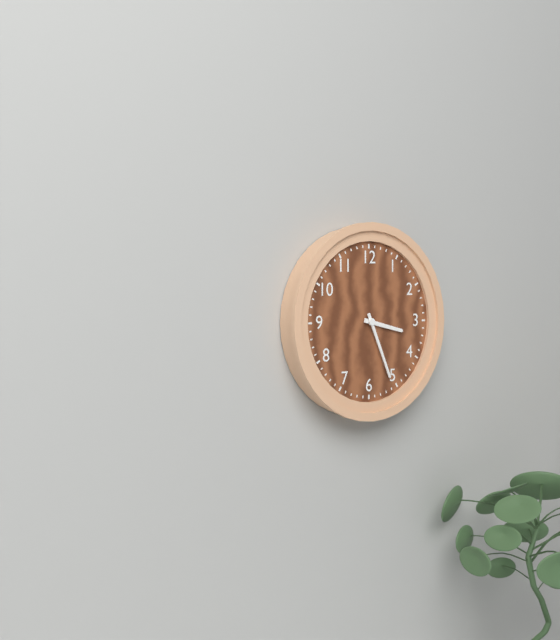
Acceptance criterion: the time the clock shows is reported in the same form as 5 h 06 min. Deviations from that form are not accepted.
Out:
3 h 26 min
